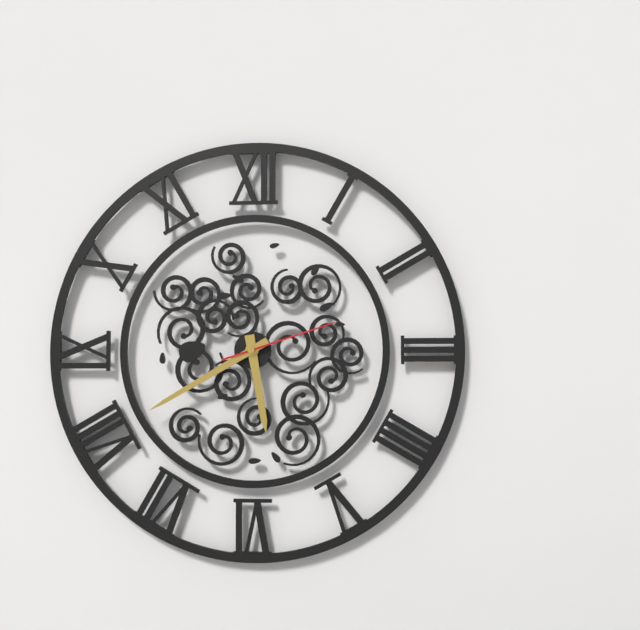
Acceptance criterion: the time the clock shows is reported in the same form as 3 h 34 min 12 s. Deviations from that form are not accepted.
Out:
5 h 40 min 12 s
